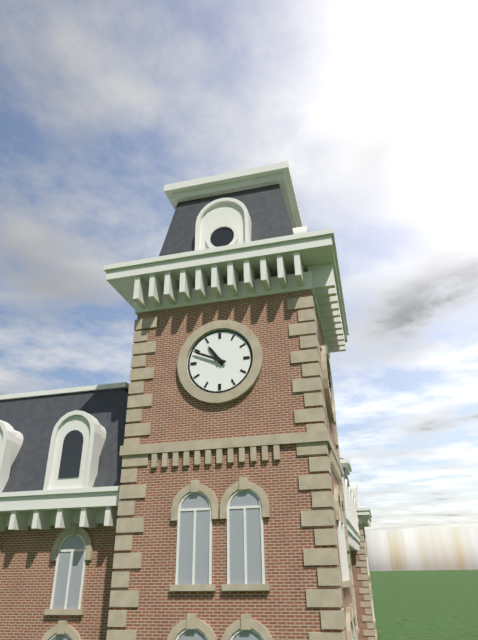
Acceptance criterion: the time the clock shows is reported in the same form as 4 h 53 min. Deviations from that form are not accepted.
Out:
10 h 49 min
